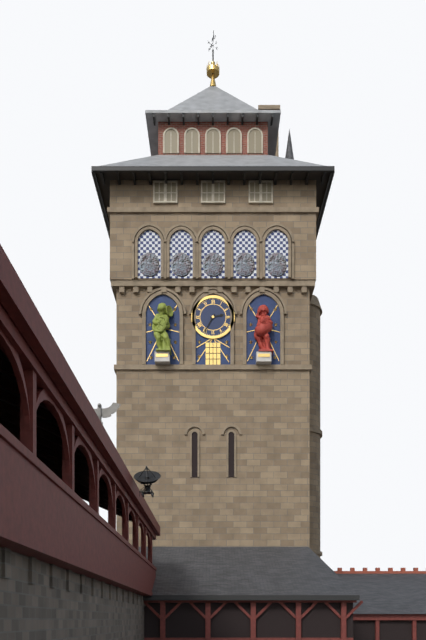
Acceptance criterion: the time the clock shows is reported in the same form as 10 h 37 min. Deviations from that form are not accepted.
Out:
2 h 35 min
